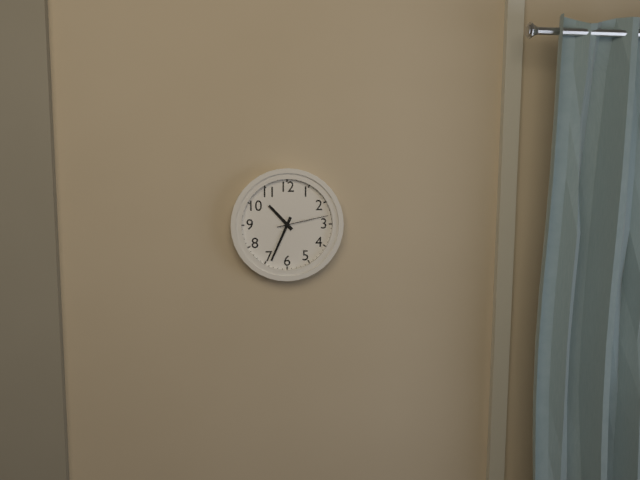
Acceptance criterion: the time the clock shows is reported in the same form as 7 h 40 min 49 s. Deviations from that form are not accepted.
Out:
10 h 34 min 13 s
